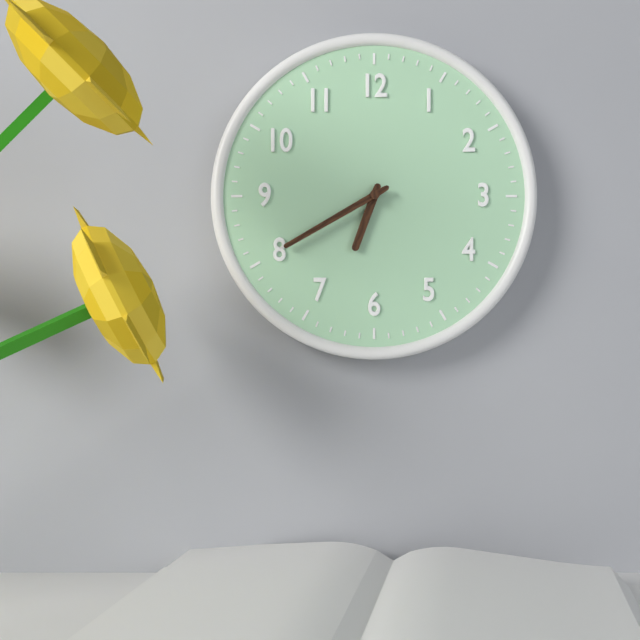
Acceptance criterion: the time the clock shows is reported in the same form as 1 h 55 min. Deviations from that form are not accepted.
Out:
6 h 40 min
